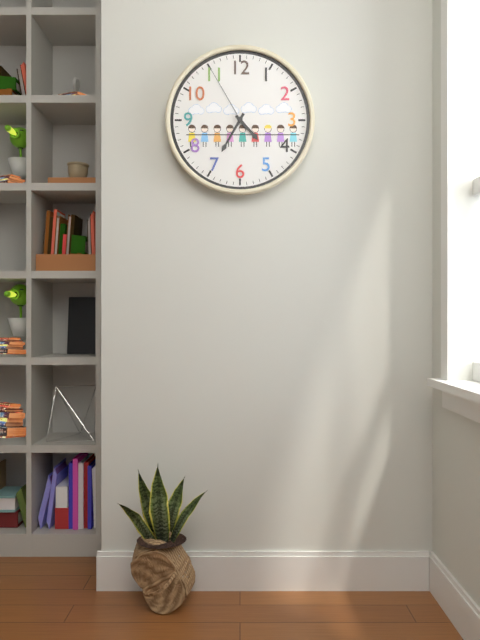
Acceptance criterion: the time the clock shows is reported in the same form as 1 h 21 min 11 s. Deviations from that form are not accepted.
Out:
4 h 35 min 55 s
